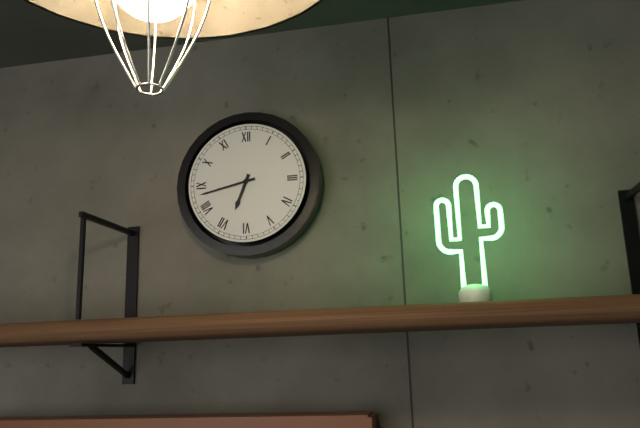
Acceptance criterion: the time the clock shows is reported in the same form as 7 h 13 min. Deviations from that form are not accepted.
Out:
6 h 43 min
